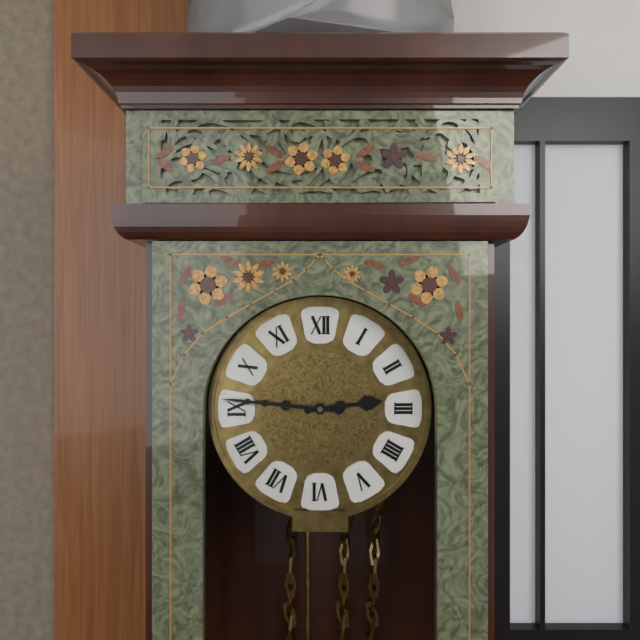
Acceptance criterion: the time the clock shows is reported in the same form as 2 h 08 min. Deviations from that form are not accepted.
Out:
2 h 46 min
